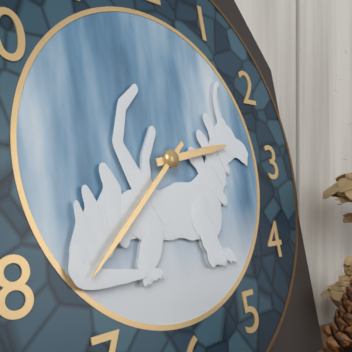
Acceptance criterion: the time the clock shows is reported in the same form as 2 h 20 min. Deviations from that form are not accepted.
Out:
2 h 38 min
